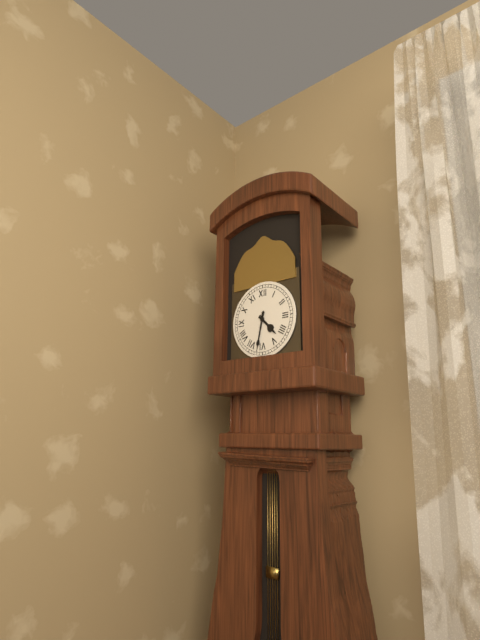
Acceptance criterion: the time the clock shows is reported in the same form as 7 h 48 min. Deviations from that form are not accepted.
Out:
4 h 32 min
